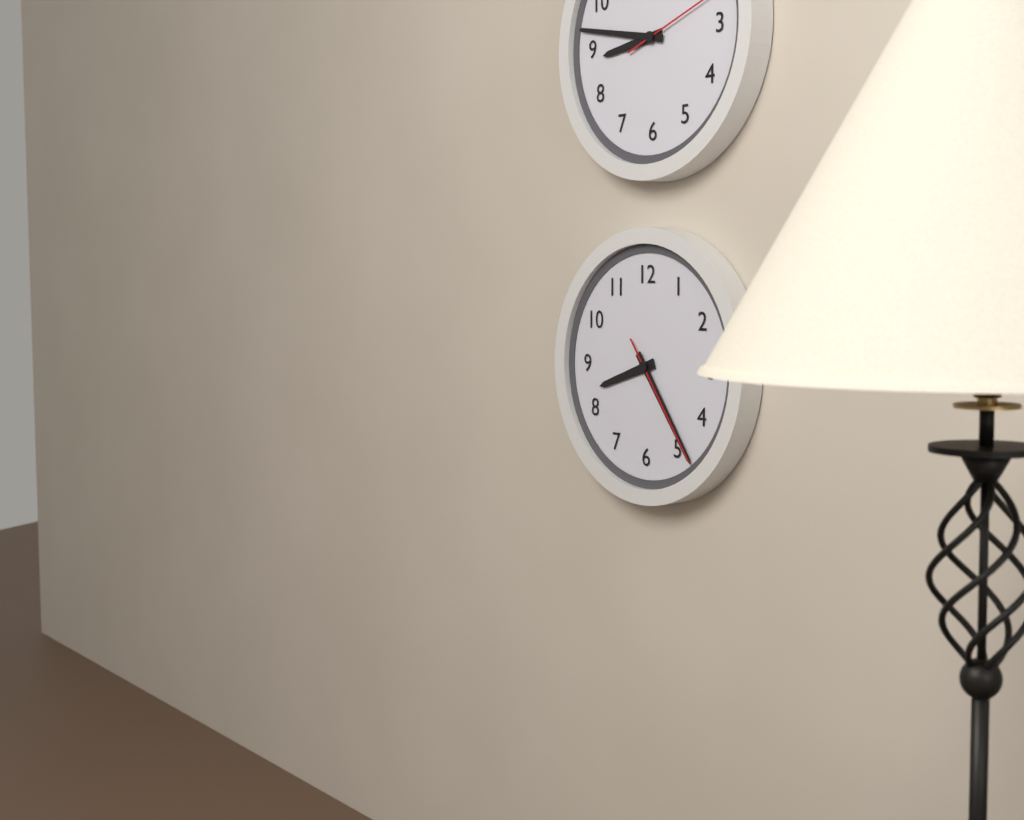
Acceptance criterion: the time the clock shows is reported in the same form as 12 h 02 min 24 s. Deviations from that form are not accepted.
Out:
8 h 24 min 24 s
